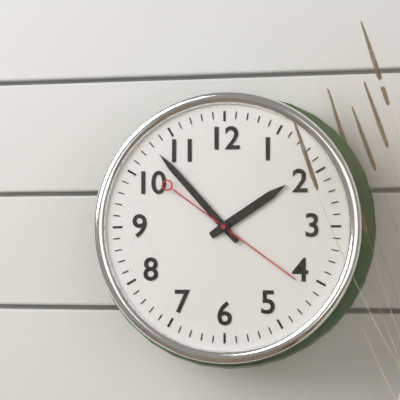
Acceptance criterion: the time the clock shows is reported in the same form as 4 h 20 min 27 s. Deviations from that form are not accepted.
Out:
1 h 53 min 21 s
